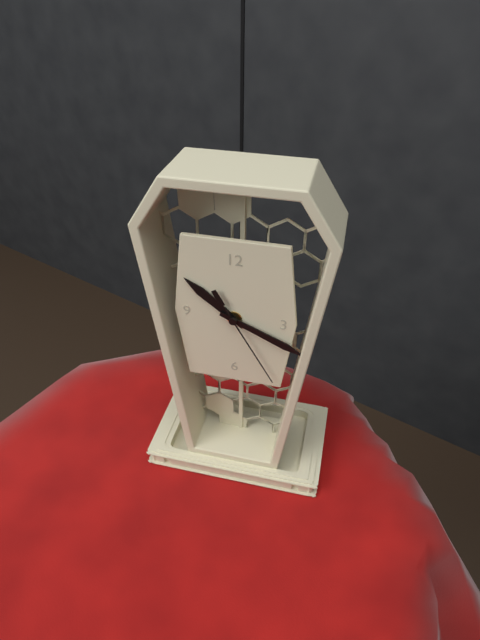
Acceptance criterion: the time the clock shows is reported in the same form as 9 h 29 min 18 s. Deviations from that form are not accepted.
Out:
10 h 19 min 25 s
